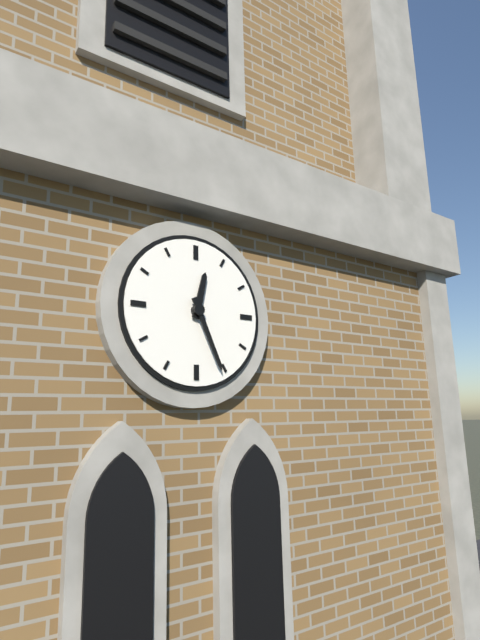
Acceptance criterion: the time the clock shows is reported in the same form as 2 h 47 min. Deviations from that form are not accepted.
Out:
12 h 26 min
